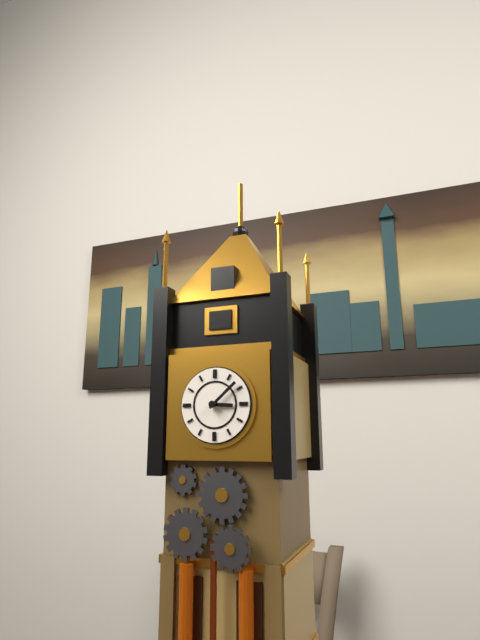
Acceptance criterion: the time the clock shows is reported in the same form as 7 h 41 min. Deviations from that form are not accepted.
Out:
3 h 08 min
